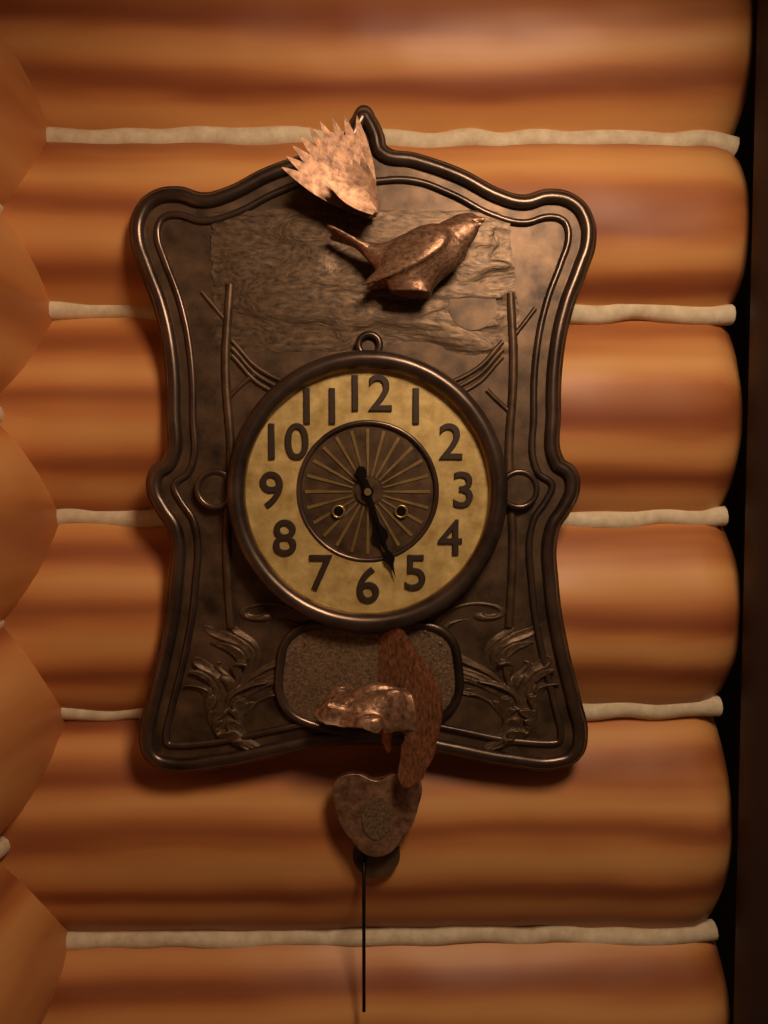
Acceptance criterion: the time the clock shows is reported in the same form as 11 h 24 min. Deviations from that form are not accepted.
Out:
5 h 27 min
